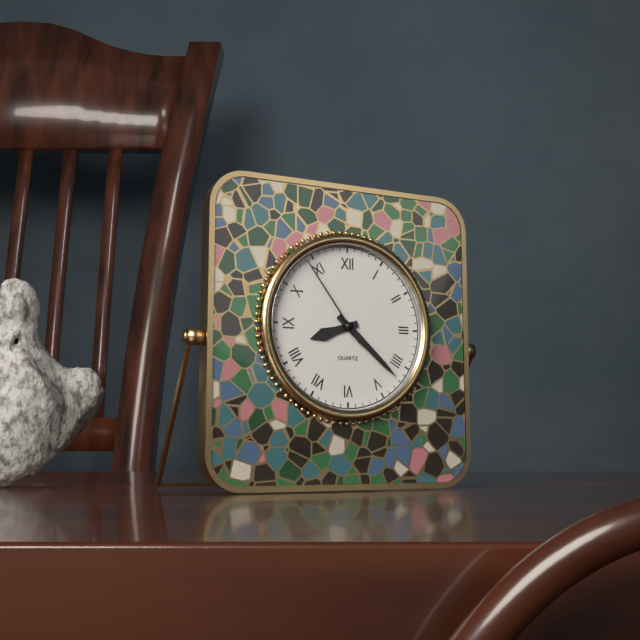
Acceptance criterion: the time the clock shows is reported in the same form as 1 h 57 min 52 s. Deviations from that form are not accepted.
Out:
8 h 22 min 54 s
